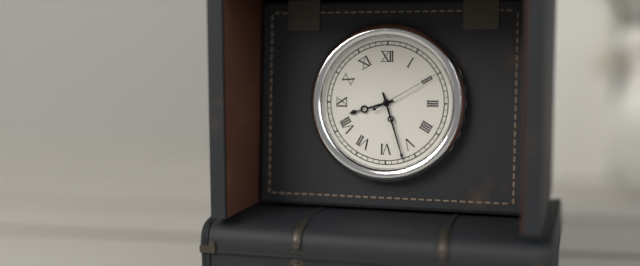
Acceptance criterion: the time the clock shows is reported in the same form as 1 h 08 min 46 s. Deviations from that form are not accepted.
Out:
8 h 27 min 10 s
